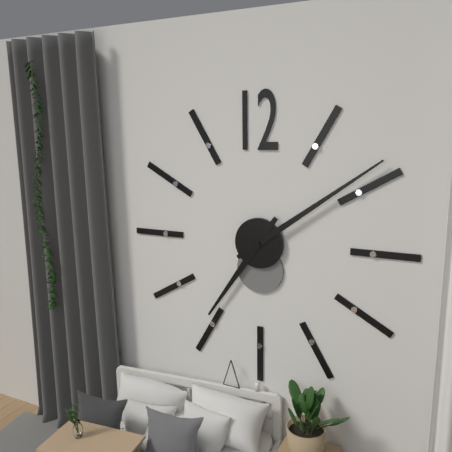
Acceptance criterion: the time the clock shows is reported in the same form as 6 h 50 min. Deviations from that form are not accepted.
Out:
7 h 09 min
